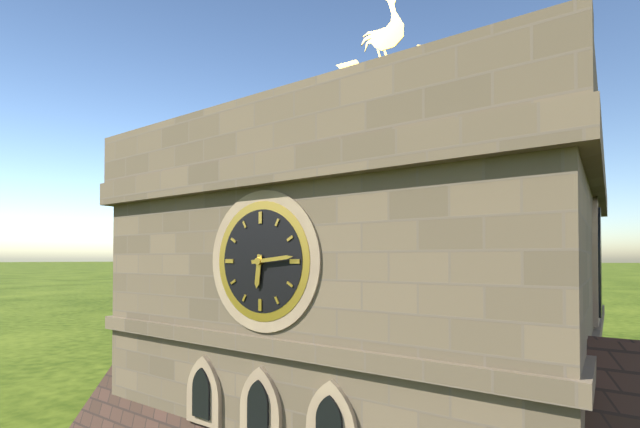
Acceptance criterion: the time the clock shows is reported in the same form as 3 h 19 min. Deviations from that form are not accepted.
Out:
6 h 14 min
